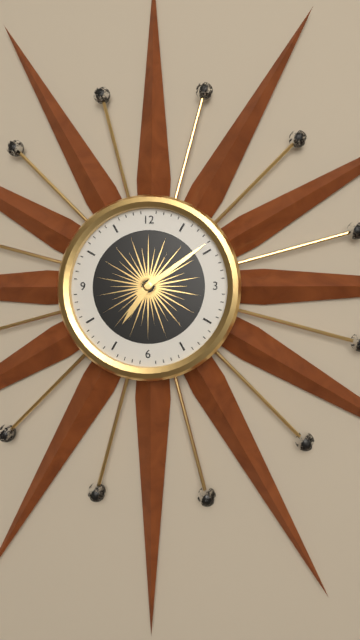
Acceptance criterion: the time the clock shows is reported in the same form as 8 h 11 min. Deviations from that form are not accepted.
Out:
7 h 09 min
